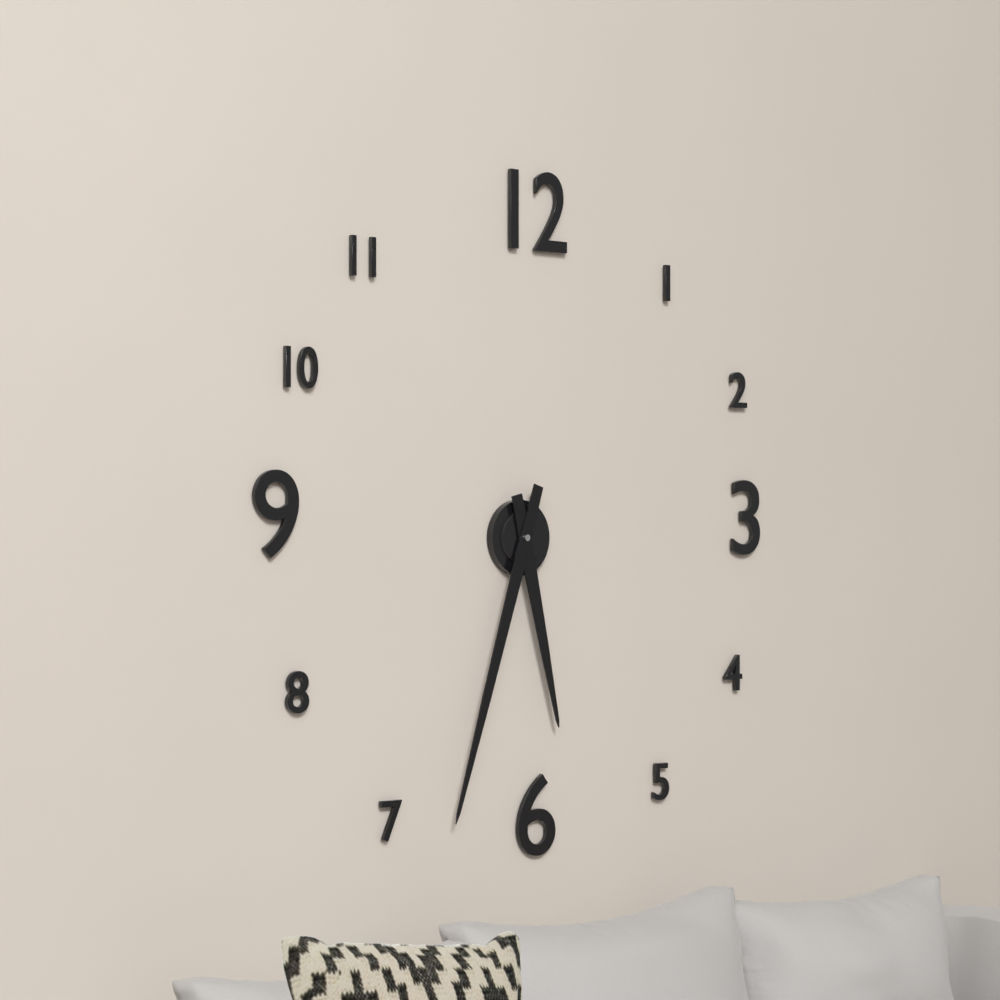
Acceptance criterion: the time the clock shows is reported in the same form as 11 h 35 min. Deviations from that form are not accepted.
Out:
5 h 33 min
